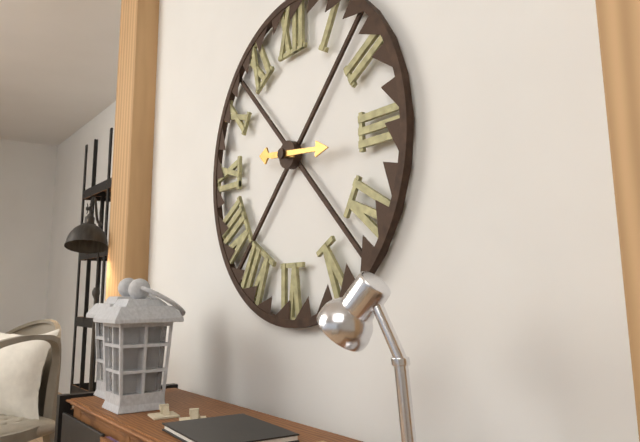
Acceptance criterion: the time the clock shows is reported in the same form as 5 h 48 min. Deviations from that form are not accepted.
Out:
9 h 16 min
